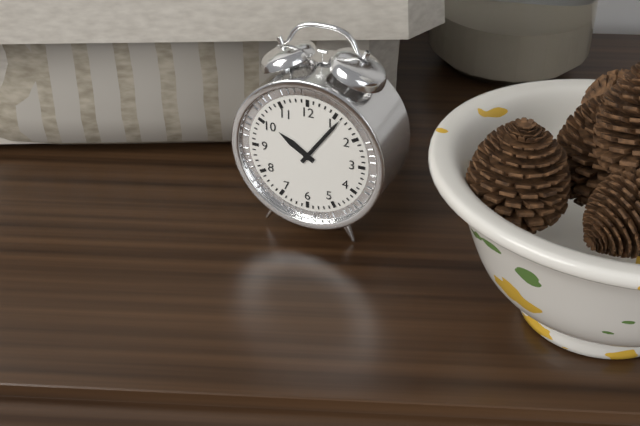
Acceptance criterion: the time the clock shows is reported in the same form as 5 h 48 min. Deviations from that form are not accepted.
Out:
10 h 06 min
